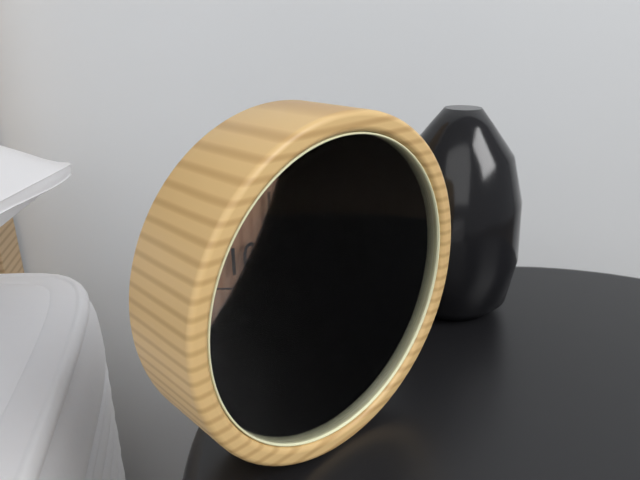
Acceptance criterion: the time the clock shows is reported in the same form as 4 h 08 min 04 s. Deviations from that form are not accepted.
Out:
8 h 46 min 48 s
